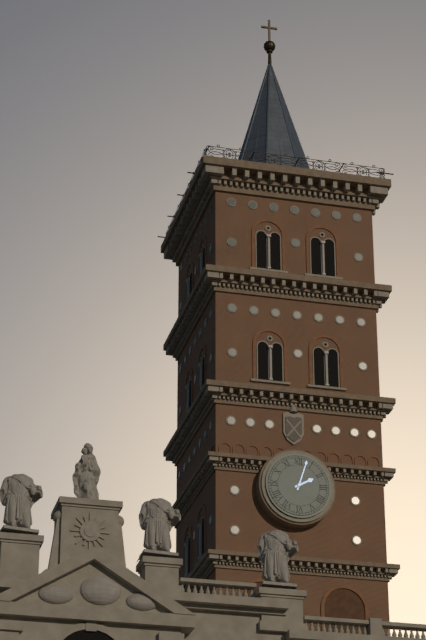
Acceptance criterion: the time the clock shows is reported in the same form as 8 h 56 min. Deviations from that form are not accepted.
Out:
2 h 03 min
